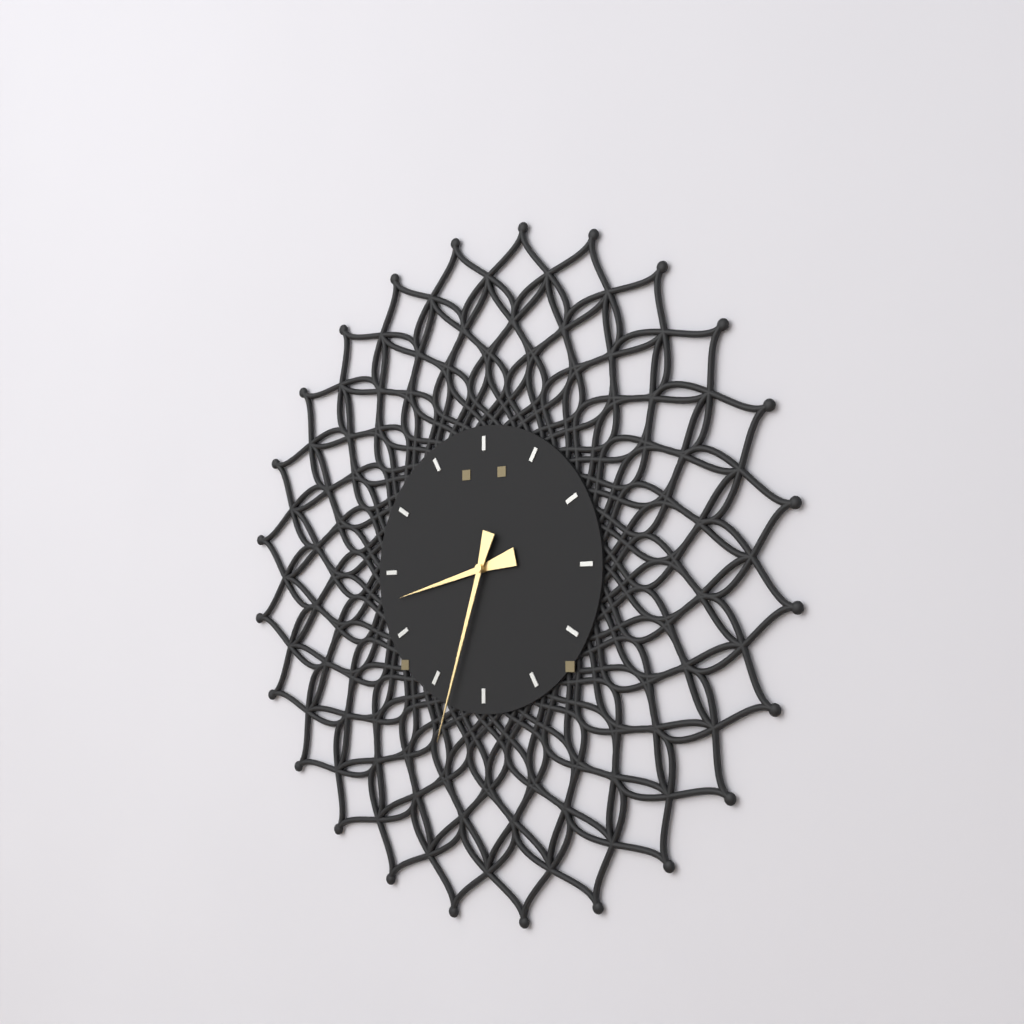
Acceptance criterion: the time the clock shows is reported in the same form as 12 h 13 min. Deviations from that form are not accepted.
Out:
8 h 33 min
